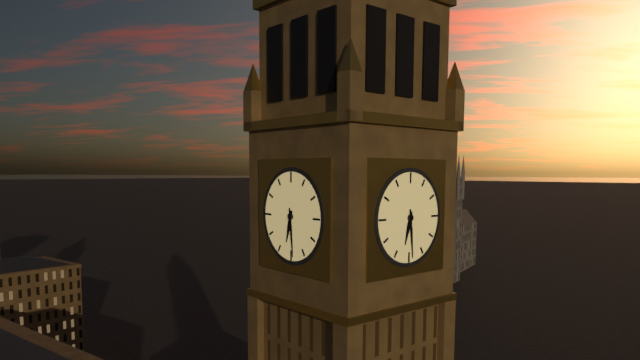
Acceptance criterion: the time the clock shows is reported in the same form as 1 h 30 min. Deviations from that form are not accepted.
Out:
6 h 29 min
